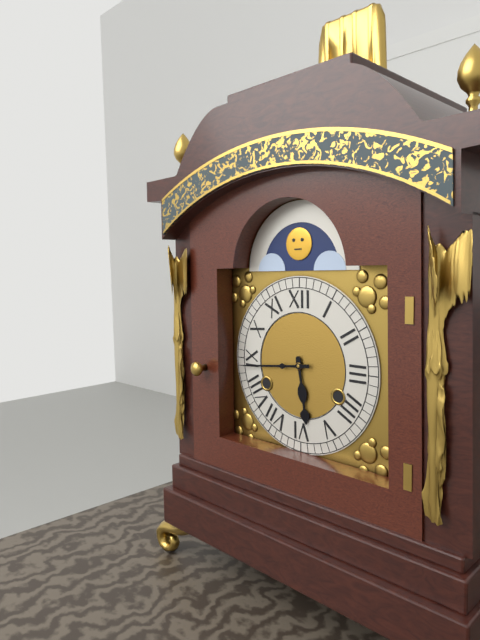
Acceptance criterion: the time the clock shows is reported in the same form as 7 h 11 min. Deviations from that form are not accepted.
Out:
5 h 44 min
